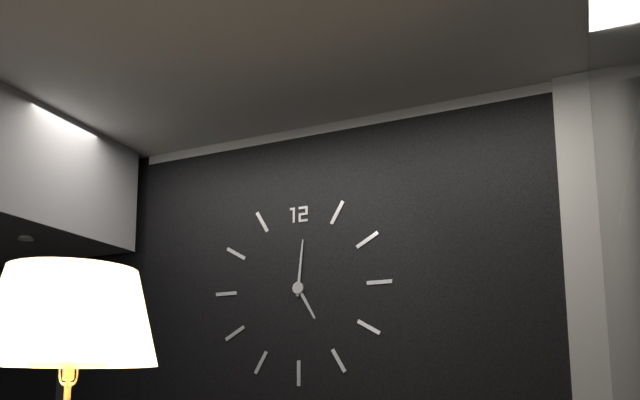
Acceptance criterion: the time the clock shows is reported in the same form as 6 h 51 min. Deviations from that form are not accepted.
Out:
5 h 01 min
